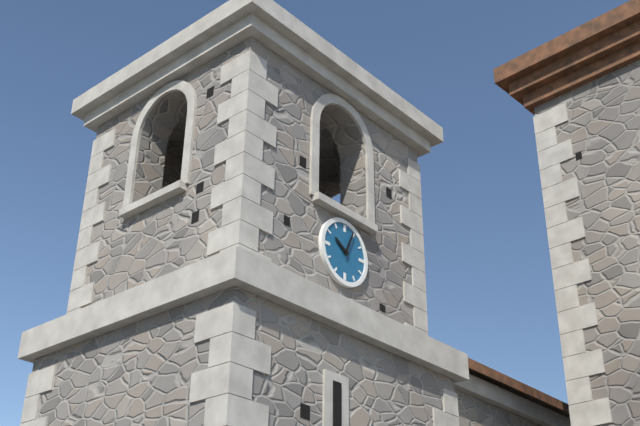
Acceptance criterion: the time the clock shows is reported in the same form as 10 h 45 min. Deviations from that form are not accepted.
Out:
10 h 04 min
